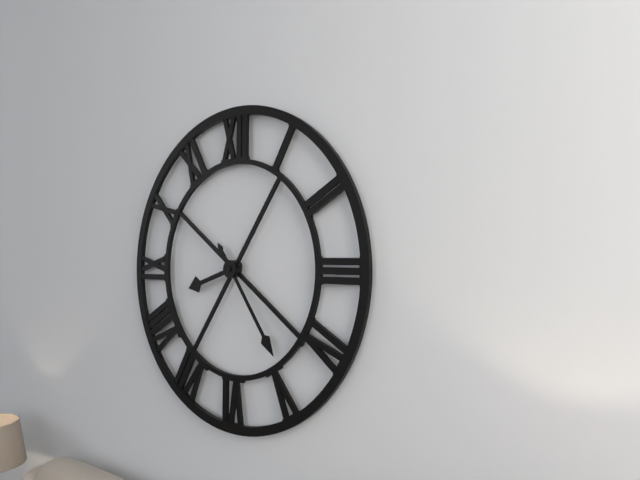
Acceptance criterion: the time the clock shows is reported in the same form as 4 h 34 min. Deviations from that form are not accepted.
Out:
8 h 24 min
